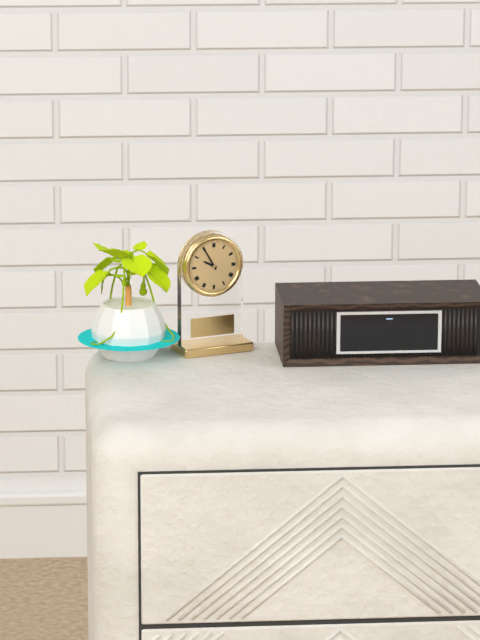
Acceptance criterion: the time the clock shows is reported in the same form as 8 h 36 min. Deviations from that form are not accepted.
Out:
9 h 55 min
